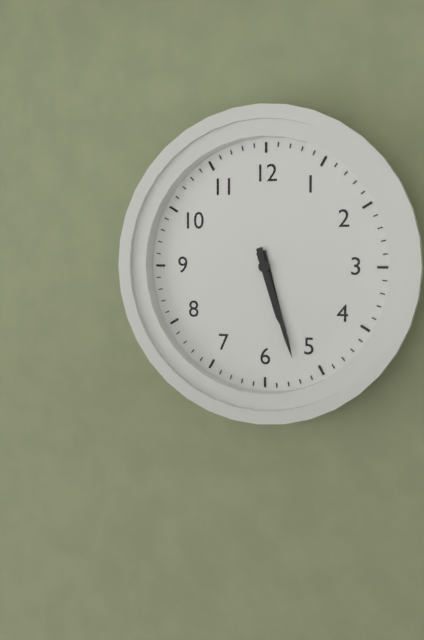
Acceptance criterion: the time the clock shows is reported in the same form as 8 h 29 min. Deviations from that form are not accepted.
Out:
5 h 27 min
